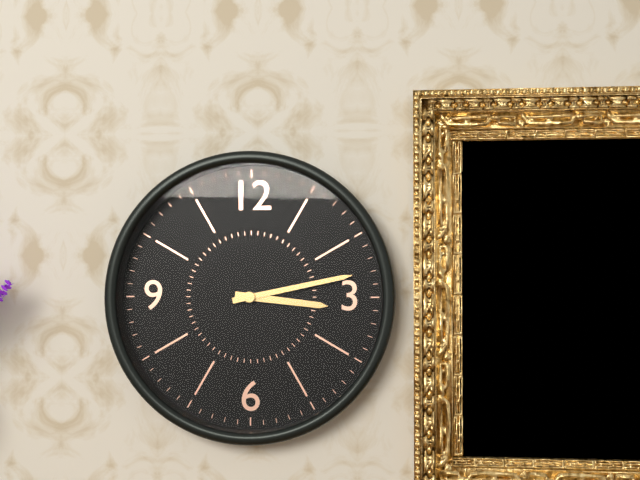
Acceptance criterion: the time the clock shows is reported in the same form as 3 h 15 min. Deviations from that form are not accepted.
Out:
3 h 13 min
